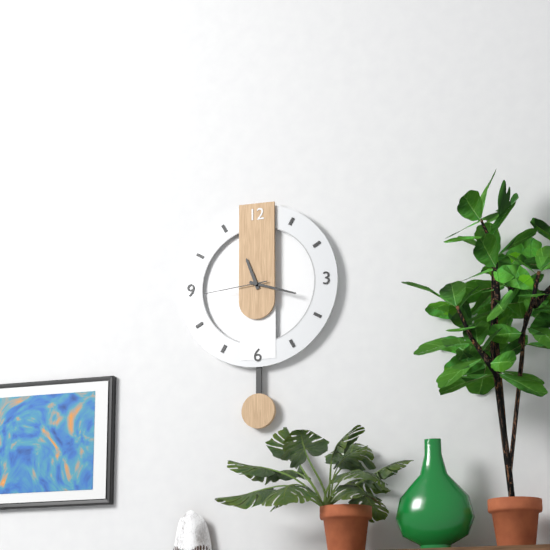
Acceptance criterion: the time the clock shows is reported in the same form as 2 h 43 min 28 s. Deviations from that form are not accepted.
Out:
11 h 18 min 44 s
